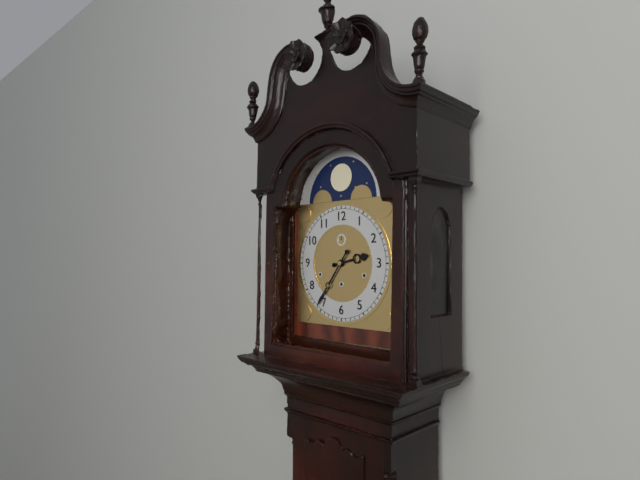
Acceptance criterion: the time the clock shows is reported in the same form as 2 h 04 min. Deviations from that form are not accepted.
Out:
2 h 36 min
